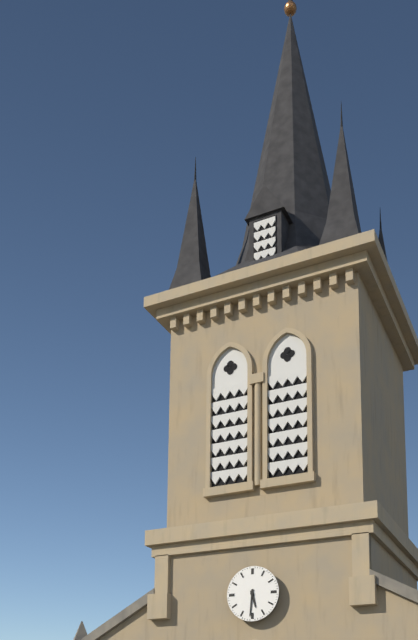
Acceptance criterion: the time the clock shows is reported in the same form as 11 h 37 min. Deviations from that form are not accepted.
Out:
5 h 31 min
